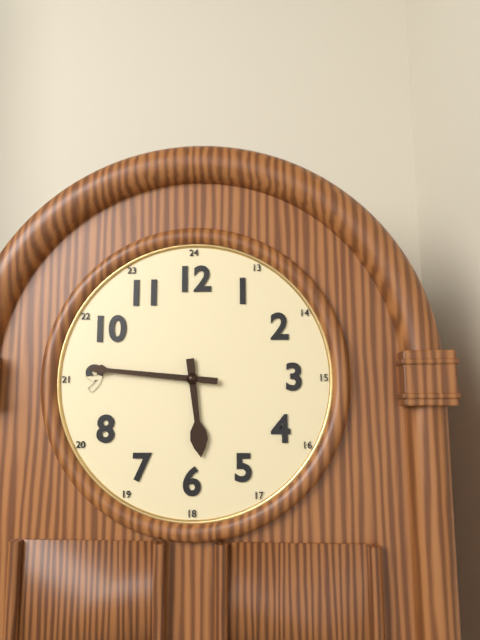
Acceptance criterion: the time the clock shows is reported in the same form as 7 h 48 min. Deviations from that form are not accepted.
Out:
5 h 46 min
